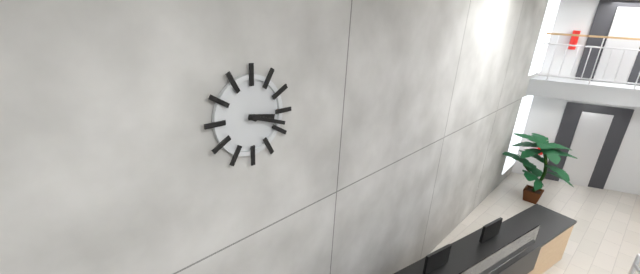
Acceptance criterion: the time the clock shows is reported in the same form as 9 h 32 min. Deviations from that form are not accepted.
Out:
3 h 18 min
